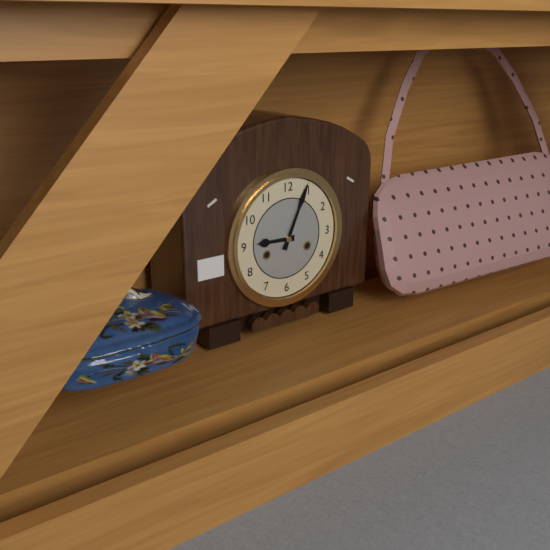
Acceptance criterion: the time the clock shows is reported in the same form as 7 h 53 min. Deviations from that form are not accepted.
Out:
9 h 04 min
